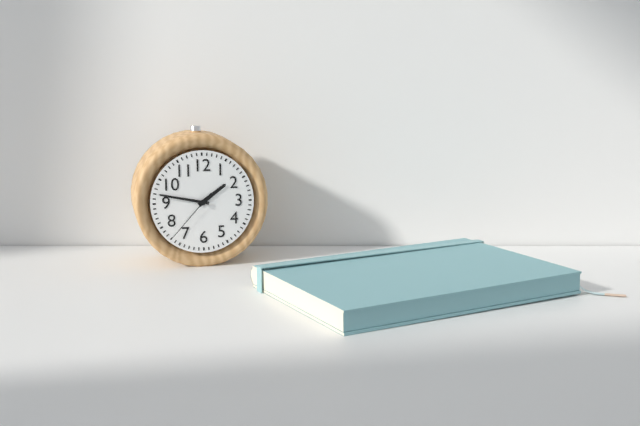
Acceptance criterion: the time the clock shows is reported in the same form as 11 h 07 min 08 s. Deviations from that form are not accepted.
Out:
1 h 47 min 37 s
